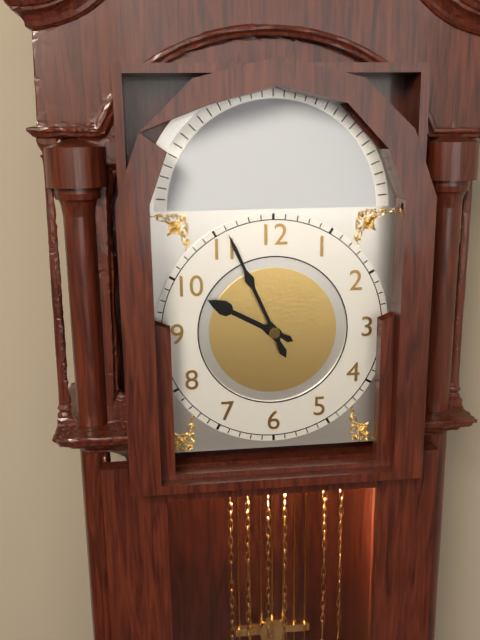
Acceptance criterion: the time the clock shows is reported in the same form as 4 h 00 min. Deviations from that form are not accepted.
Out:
9 h 56 min
